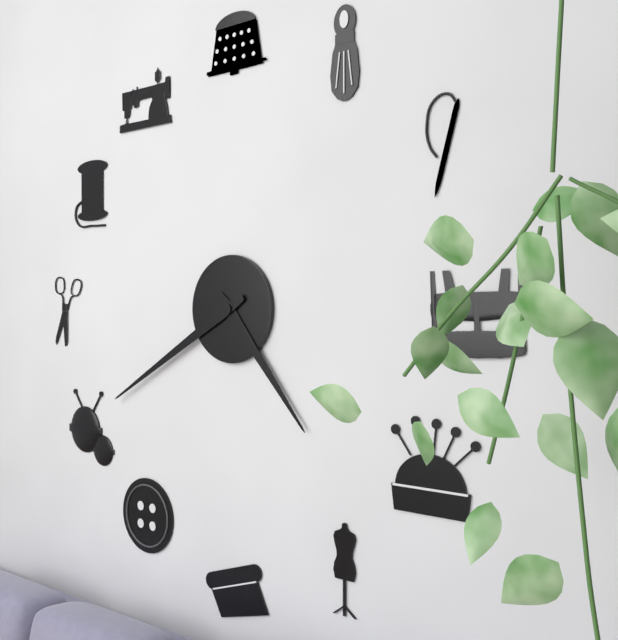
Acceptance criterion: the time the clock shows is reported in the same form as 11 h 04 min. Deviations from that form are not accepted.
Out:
4 h 40 min
